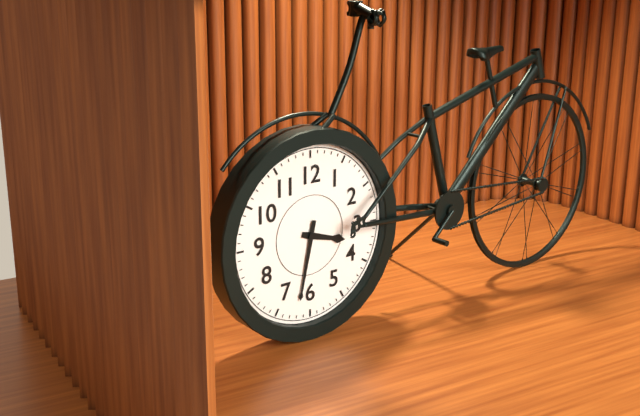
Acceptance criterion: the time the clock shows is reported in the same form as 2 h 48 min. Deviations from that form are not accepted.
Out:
3 h 32 min
